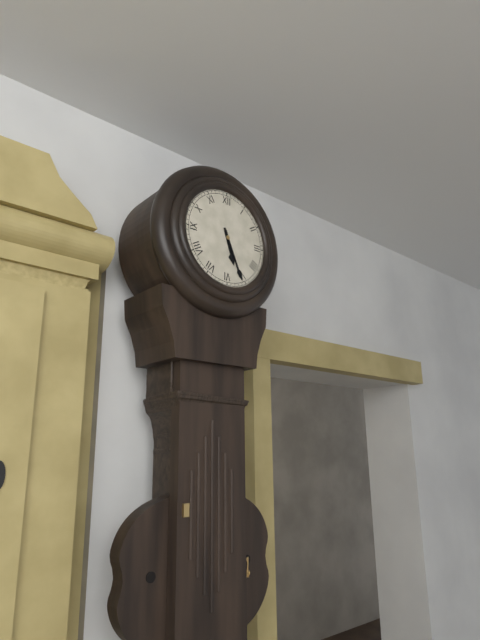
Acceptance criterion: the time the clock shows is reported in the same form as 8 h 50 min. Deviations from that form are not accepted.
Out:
5 h 26 min
